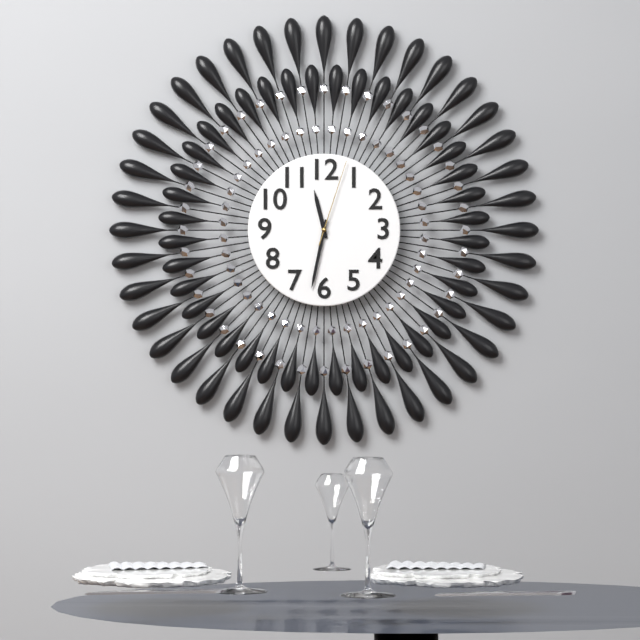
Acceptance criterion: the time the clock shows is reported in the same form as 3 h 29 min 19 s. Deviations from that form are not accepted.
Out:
11 h 32 min 03 s
